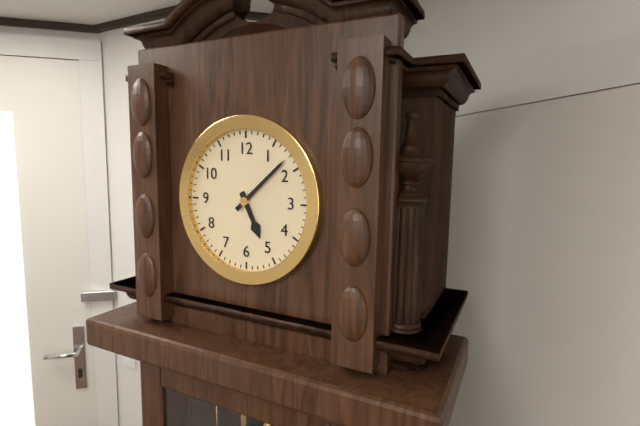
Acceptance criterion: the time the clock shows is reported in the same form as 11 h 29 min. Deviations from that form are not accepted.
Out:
5 h 08 min
